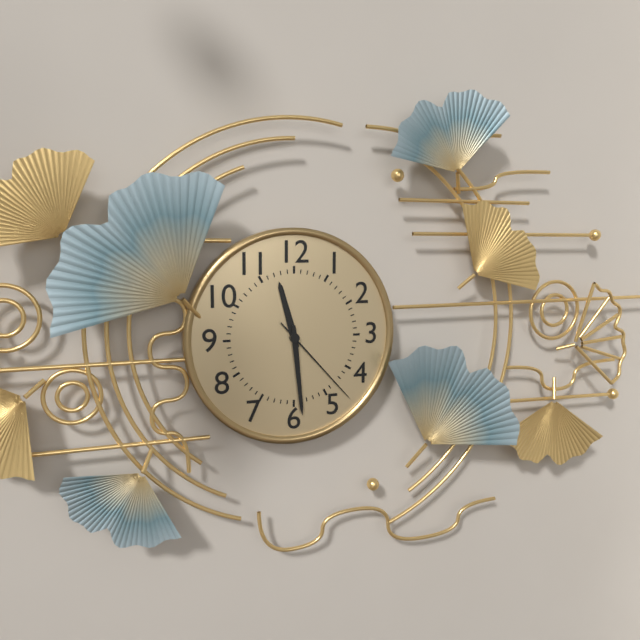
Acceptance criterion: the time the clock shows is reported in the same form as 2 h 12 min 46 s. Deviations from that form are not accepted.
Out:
11 h 29 min 23 s
